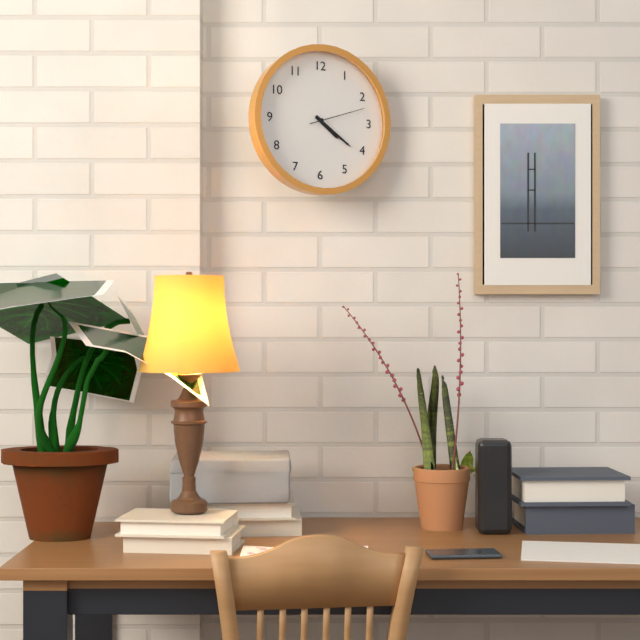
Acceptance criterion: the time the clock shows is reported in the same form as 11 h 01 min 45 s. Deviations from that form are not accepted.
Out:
4 h 21 min 12 s
